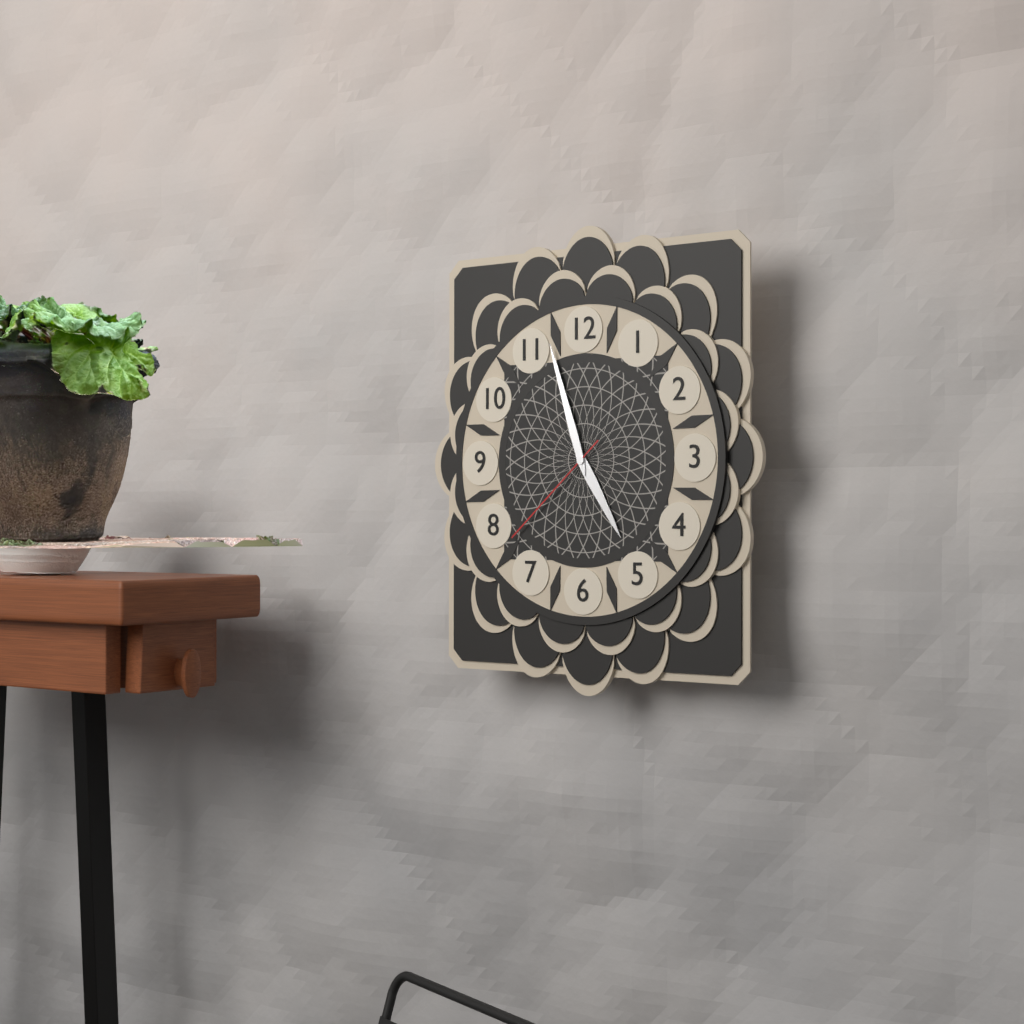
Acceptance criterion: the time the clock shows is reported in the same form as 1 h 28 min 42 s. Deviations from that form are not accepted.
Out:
4 h 57 min 38 s
